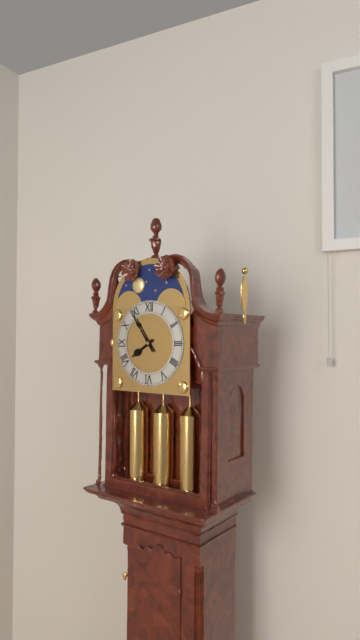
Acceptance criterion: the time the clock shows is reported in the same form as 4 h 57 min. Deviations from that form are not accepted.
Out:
7 h 54 min
